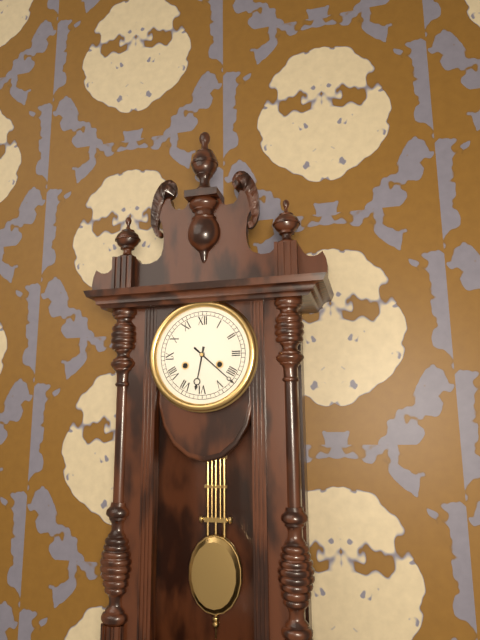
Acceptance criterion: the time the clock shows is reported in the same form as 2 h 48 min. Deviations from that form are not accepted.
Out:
6 h 22 min
